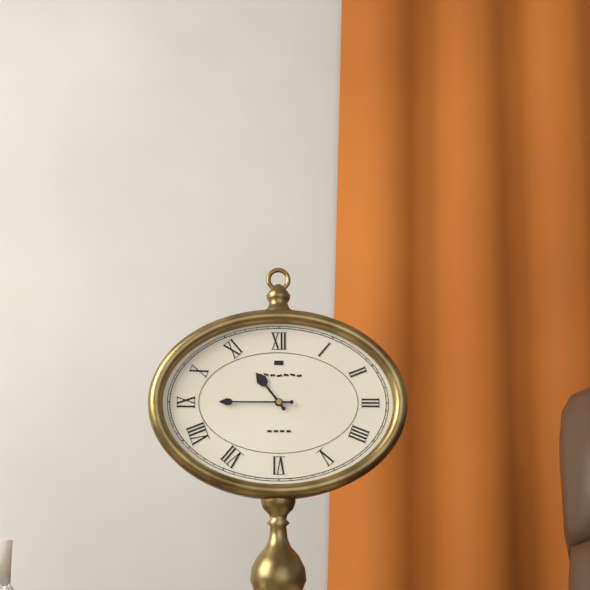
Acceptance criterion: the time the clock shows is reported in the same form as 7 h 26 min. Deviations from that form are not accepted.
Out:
10 h 45 min
